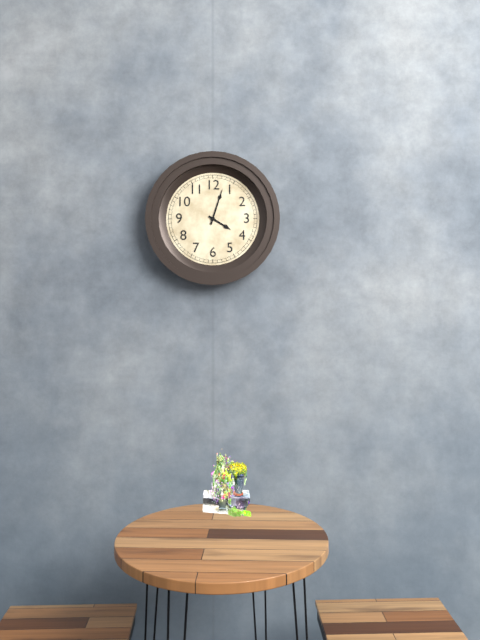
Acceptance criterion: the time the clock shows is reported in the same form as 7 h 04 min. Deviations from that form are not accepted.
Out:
4 h 03 min
